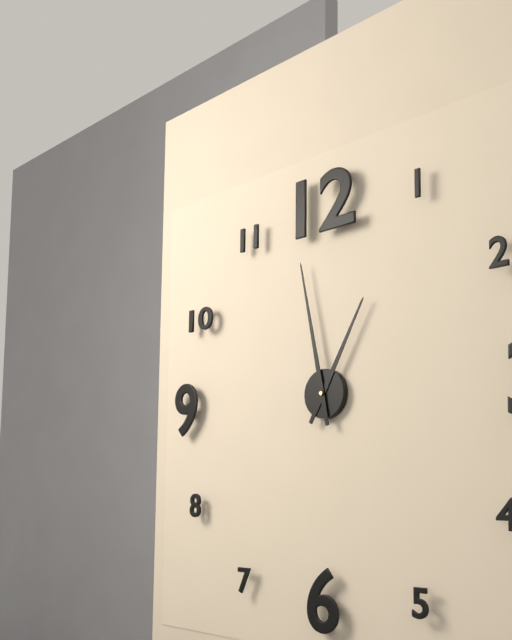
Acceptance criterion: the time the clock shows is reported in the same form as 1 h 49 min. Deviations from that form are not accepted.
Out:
12 h 58 min
